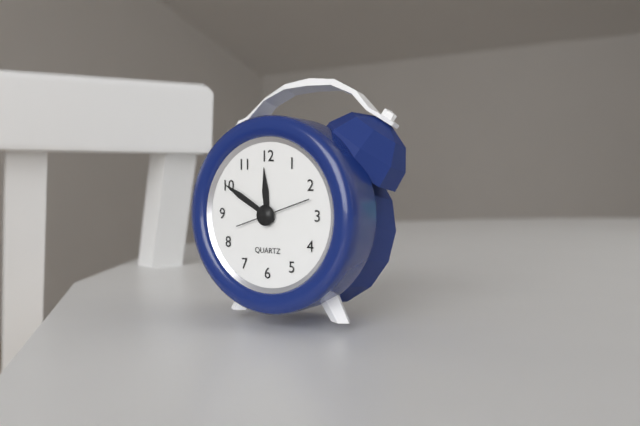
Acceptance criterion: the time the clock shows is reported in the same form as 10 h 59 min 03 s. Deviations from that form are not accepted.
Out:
11 h 50 min 12 s
